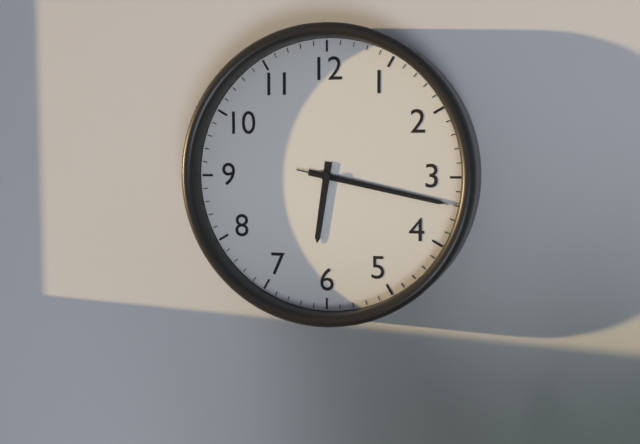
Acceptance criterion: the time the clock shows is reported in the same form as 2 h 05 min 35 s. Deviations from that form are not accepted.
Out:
6 h 17 min 17 s
